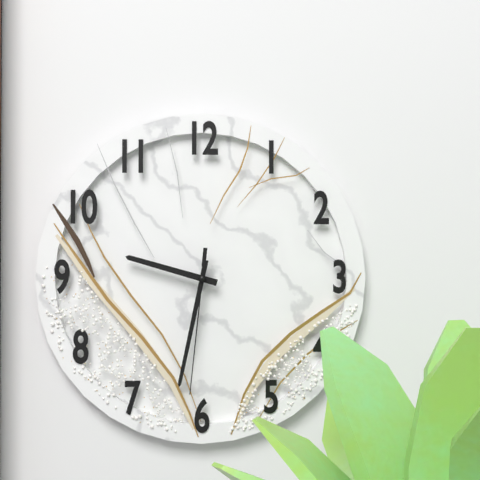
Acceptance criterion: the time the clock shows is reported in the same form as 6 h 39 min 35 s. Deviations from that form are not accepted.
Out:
9 h 32 min 31 s
